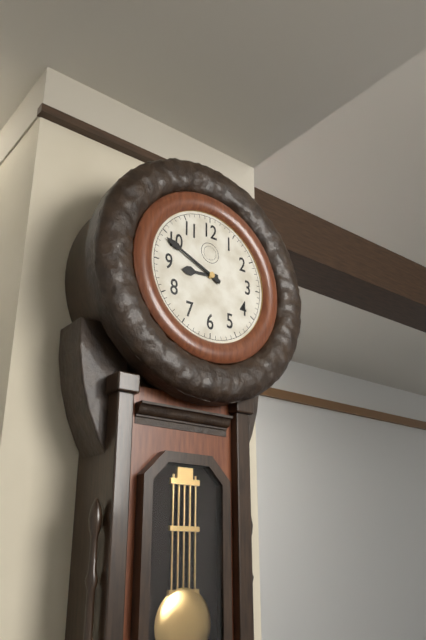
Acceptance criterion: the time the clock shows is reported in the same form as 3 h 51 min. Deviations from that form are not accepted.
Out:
8 h 49 min
